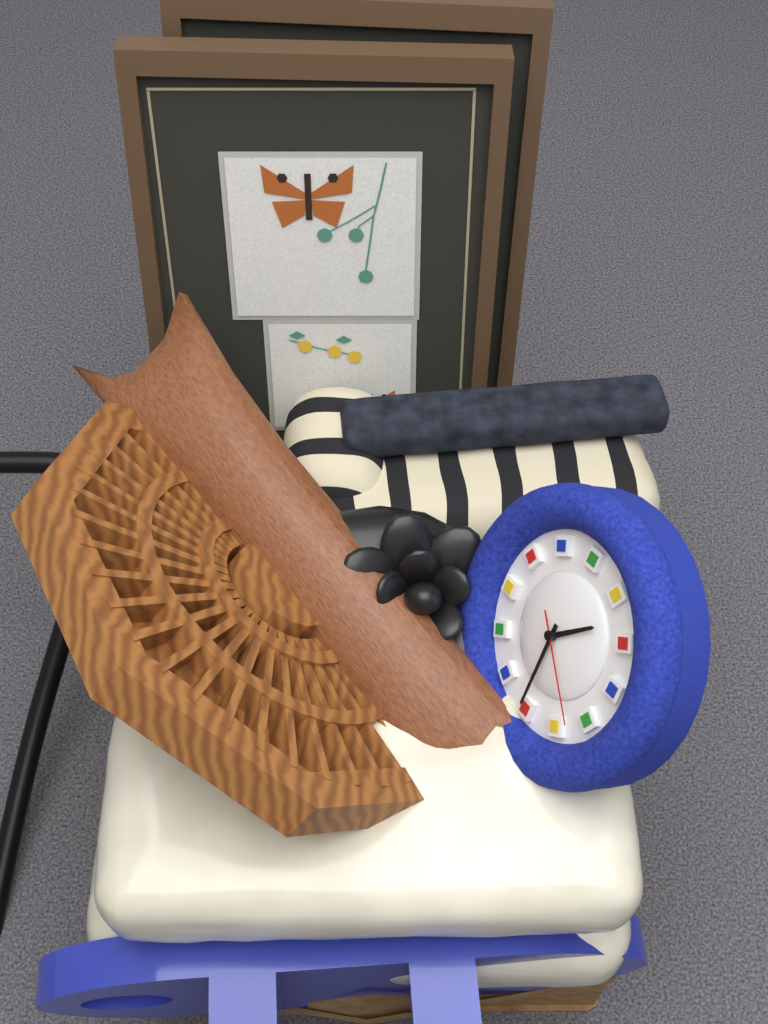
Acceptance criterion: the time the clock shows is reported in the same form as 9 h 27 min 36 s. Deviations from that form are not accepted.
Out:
2 h 35 min 27 s
